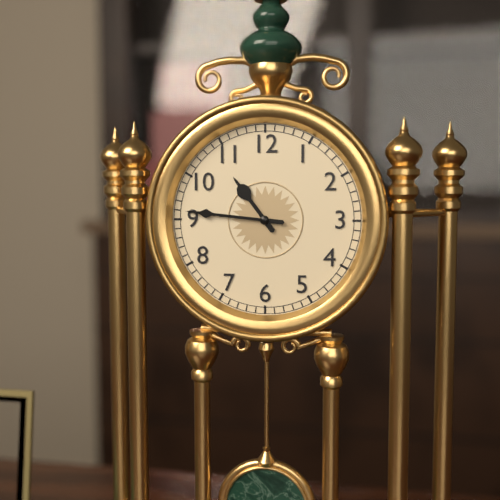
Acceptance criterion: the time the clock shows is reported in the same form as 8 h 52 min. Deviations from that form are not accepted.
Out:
10 h 46 min
